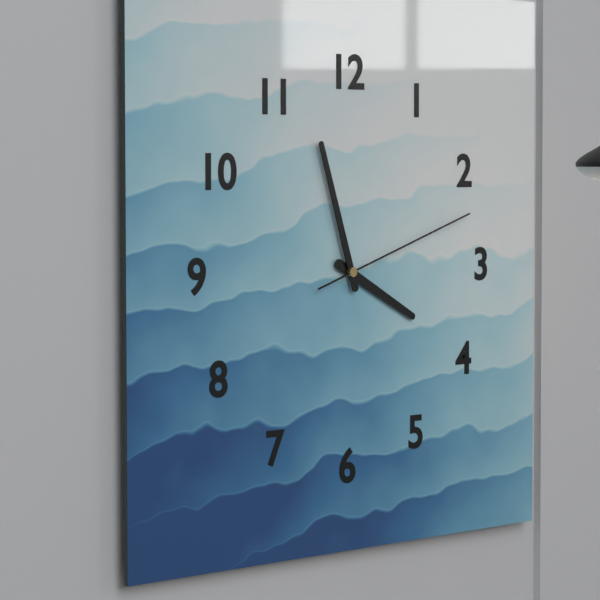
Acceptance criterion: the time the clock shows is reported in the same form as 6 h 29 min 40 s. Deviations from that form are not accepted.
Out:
3 h 57 min 12 s
